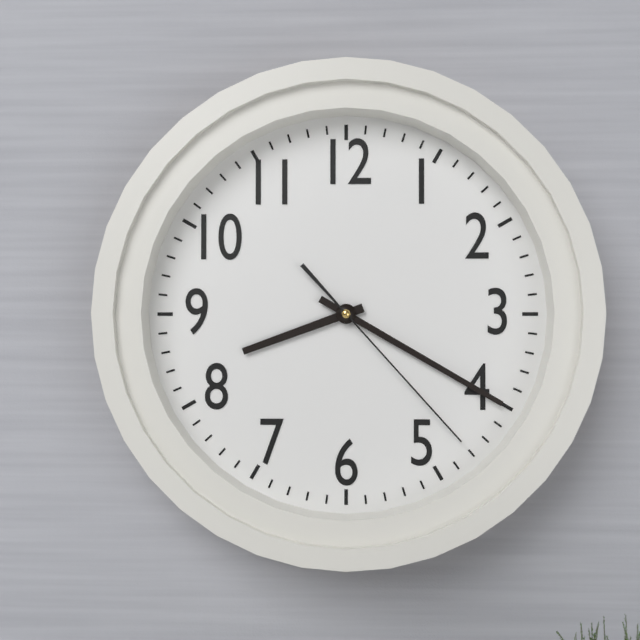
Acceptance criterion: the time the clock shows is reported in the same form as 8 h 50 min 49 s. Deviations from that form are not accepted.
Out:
8 h 20 min 23 s
